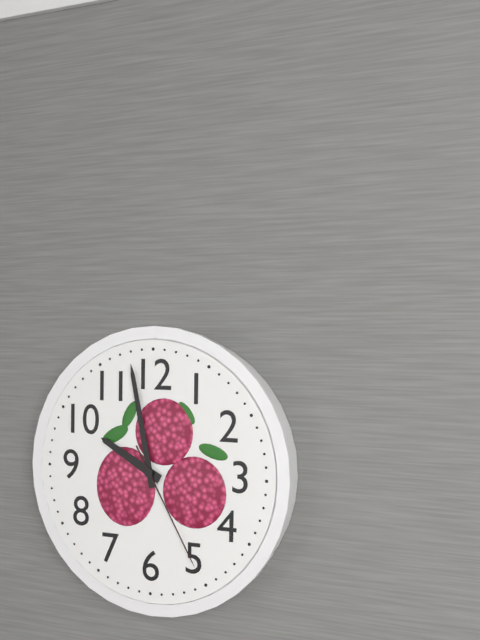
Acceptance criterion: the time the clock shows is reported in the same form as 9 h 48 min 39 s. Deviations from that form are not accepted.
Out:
9 h 58 min 25 s
